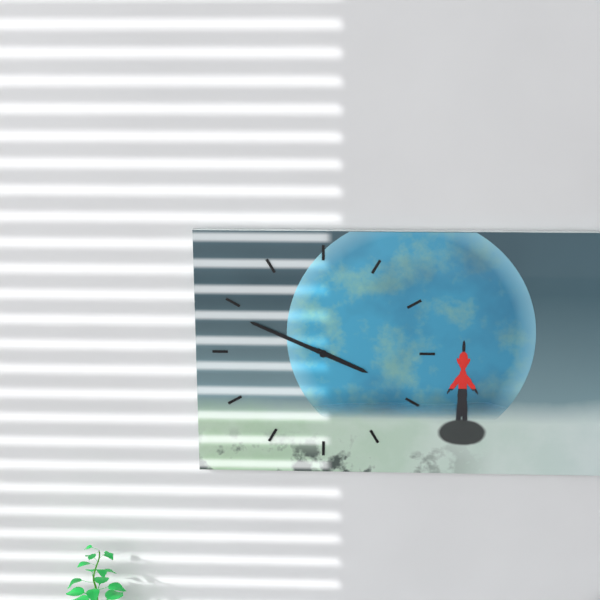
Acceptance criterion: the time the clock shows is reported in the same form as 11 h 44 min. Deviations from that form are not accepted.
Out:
3 h 49 min
